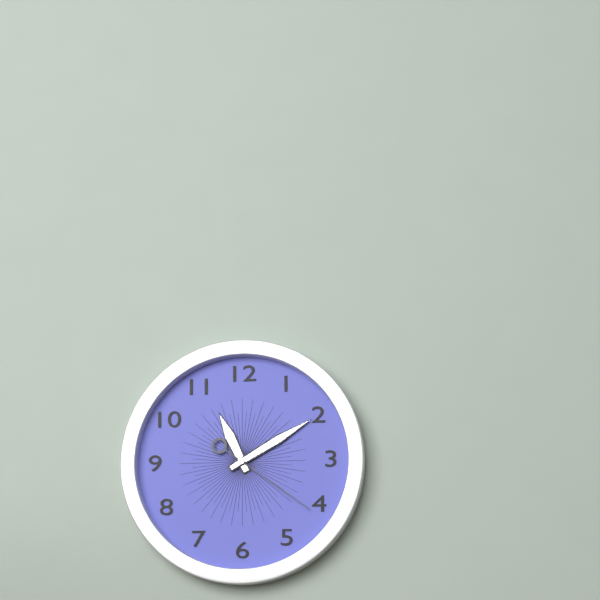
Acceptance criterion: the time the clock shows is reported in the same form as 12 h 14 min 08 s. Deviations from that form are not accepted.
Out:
11 h 10 min 21 s
